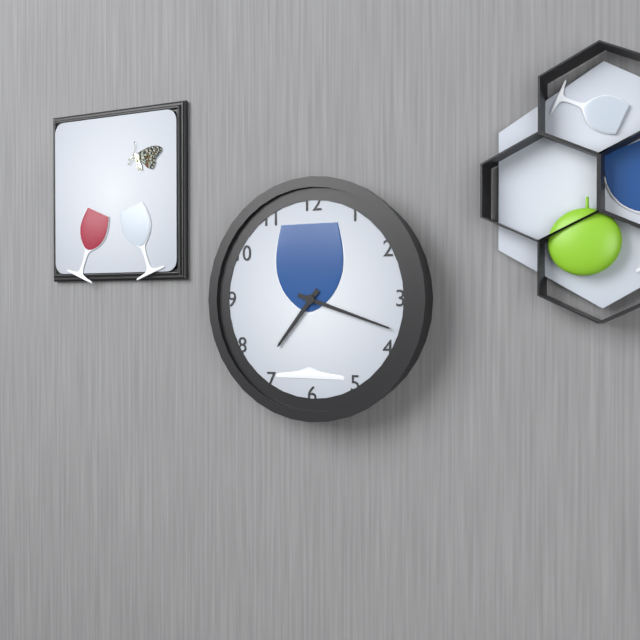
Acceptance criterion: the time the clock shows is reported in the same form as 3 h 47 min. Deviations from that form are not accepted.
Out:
7 h 18 min
